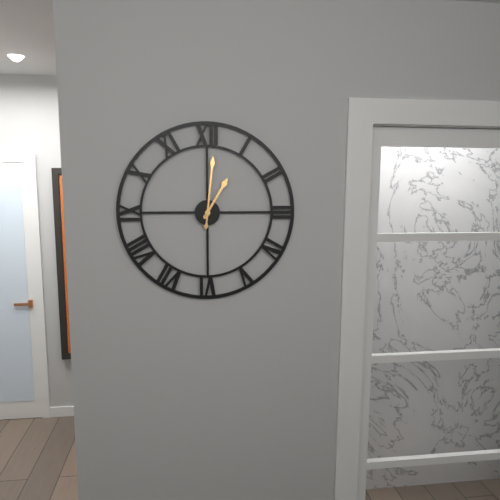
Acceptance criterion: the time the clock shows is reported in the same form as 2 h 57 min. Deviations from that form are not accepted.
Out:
1 h 01 min
